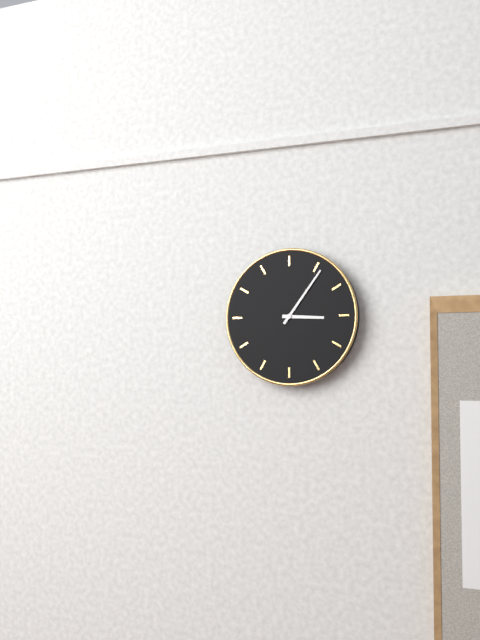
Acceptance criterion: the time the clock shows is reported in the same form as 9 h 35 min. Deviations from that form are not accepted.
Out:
3 h 06 min
